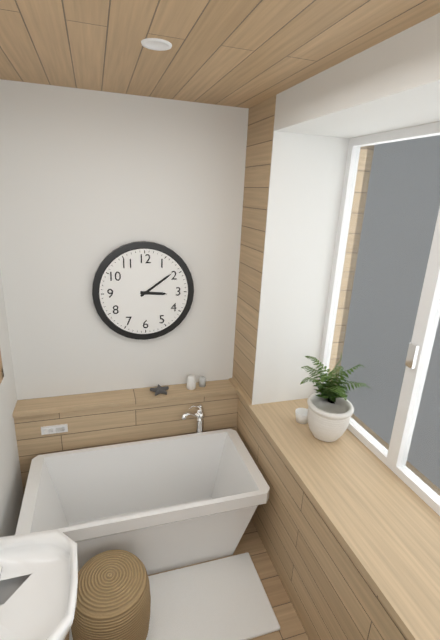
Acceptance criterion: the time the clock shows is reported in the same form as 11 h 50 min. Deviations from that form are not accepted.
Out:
3 h 09 min
